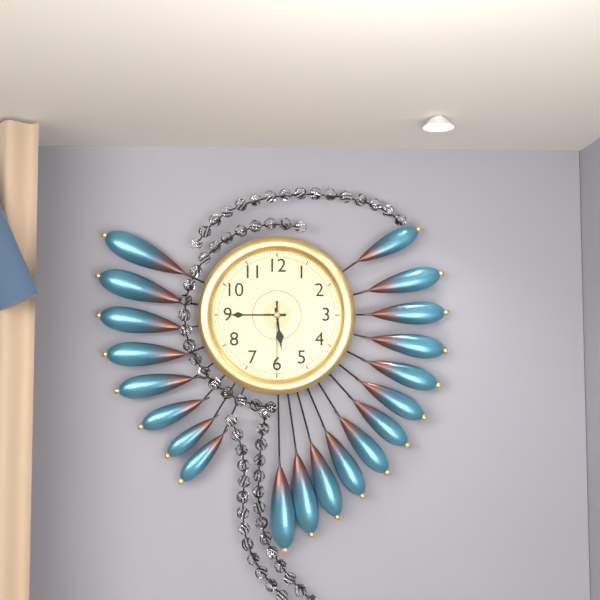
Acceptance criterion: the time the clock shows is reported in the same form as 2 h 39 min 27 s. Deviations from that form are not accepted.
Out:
5 h 45 min 30 s
